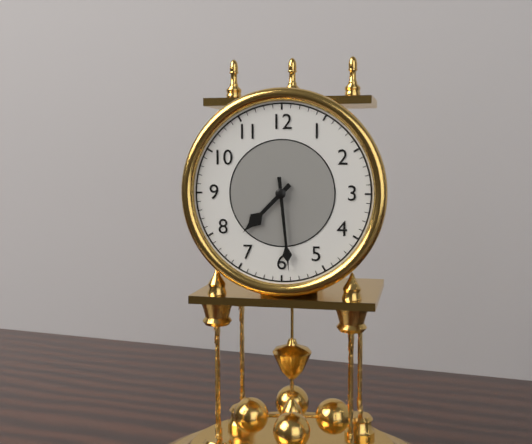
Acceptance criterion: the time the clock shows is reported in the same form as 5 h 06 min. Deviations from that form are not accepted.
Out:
7 h 29 min
